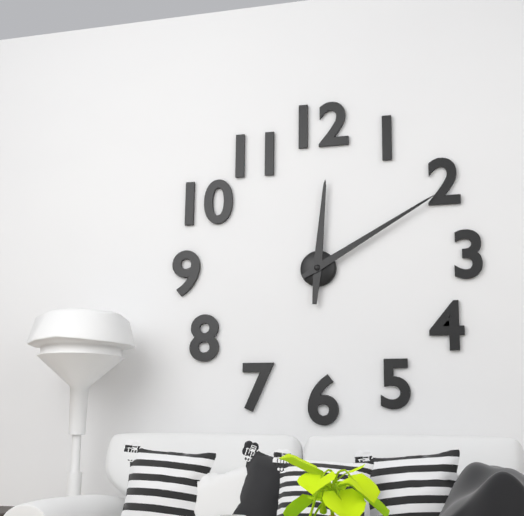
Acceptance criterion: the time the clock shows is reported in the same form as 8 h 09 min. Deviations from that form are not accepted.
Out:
12 h 10 min
